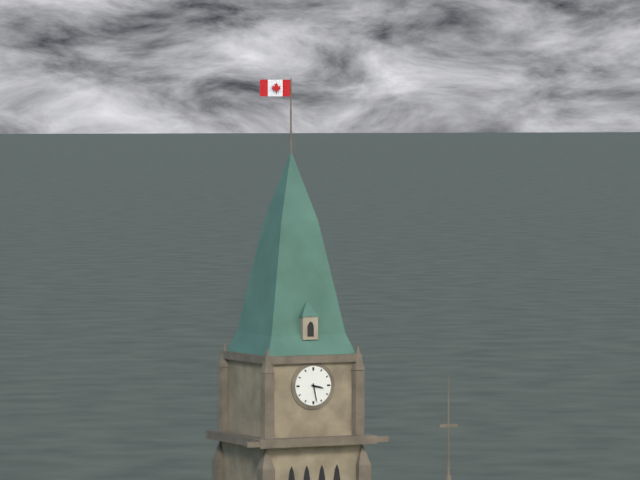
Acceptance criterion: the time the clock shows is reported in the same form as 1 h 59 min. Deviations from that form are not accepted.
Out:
3 h 28 min
